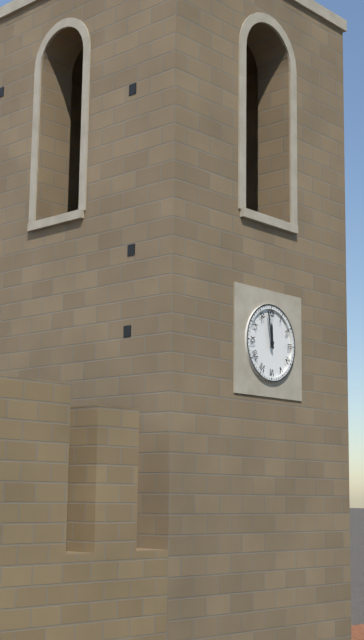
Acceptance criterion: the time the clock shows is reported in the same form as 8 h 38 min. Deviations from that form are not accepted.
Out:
11 h 58 min
